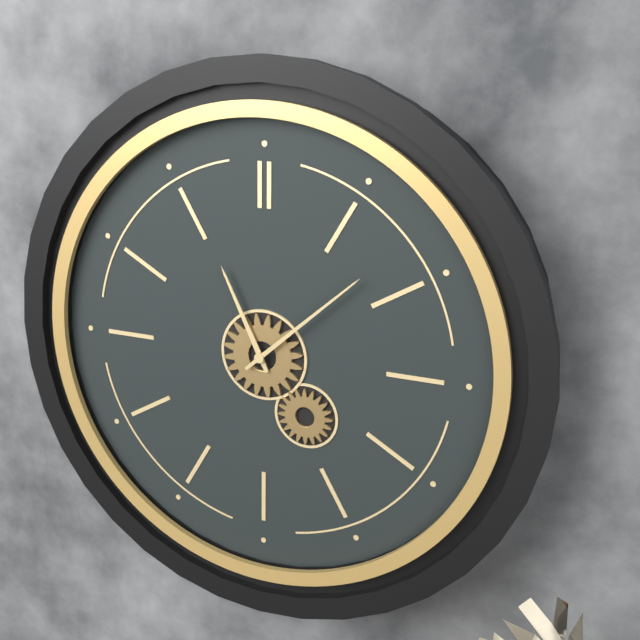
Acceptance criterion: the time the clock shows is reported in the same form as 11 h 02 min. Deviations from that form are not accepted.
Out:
11 h 08 min
